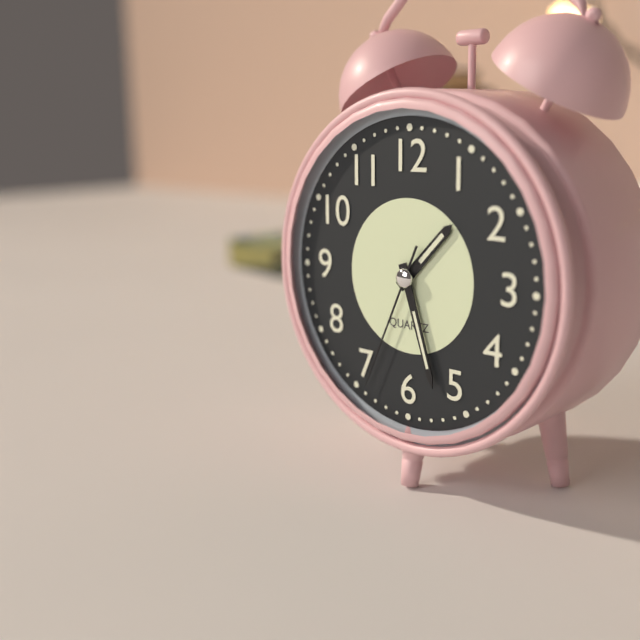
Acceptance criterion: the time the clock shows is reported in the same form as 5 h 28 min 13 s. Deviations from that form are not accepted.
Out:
1 h 27 min 34 s
